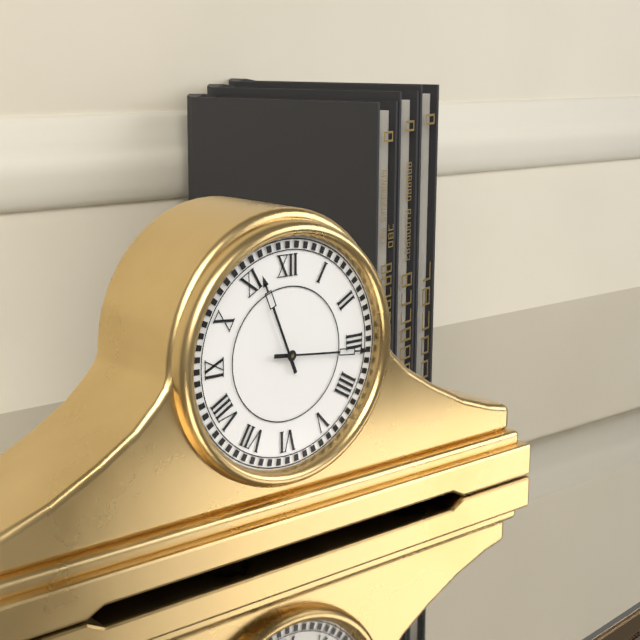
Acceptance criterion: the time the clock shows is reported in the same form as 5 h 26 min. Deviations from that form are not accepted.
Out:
11 h 16 min
